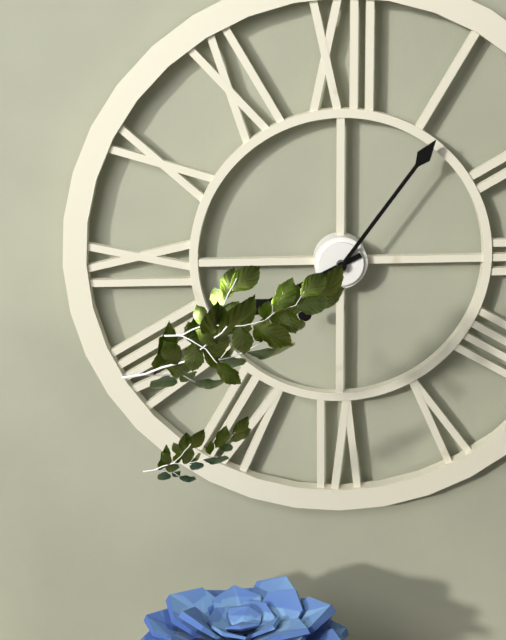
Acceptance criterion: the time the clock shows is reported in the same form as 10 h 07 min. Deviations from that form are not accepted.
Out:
8 h 06 min
